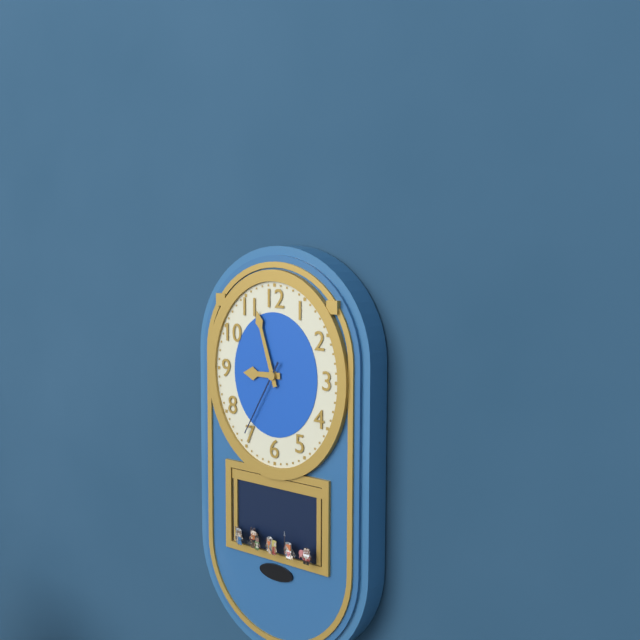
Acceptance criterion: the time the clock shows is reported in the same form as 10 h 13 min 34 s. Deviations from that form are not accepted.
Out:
8 h 57 min 35 s
